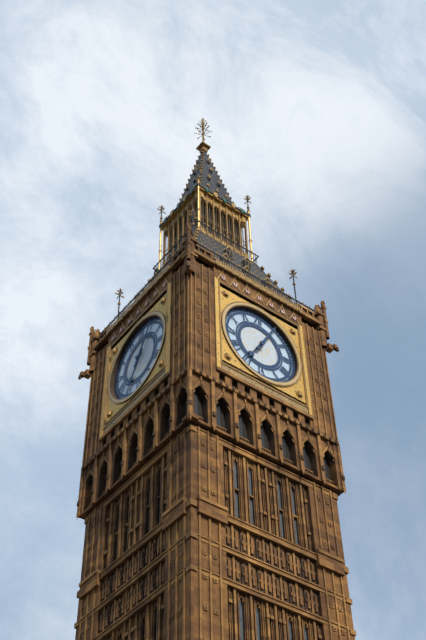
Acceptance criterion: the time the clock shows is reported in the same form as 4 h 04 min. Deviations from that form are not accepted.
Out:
7 h 05 min
